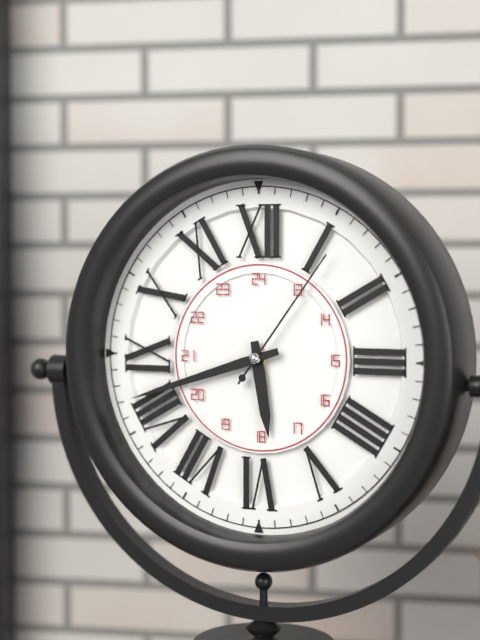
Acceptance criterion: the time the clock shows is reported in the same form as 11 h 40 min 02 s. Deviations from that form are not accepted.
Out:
5 h 42 min 06 s
